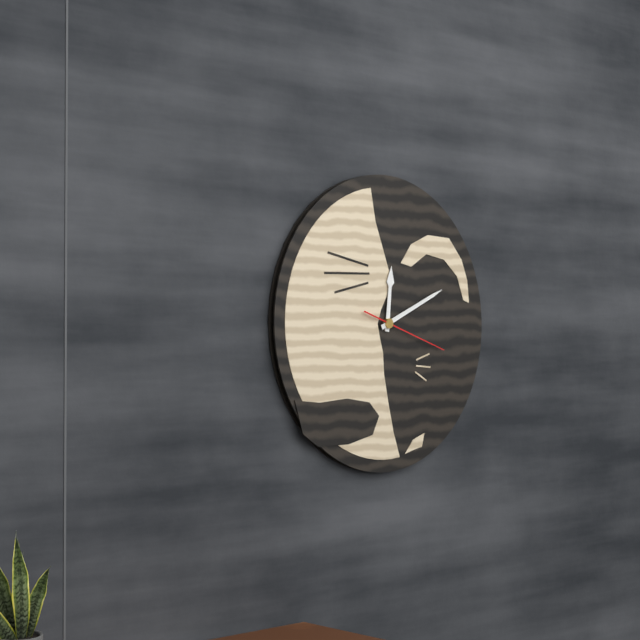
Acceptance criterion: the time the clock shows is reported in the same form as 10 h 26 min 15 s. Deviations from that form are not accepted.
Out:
12 h 11 min 18 s
